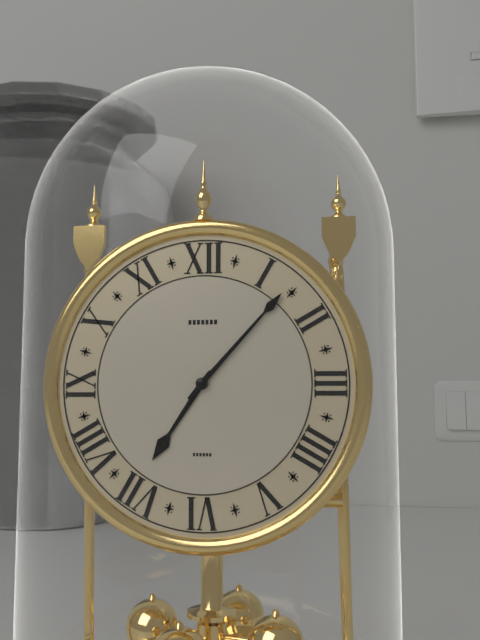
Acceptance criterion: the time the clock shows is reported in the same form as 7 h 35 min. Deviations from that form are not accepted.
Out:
7 h 07 min
